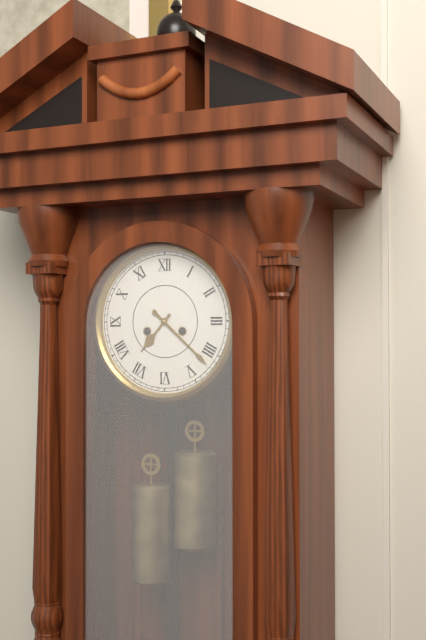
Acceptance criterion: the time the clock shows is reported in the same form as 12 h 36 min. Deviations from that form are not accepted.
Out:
7 h 22 min
